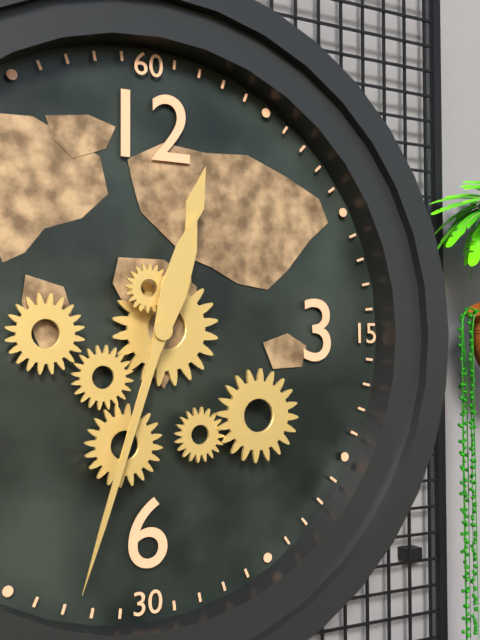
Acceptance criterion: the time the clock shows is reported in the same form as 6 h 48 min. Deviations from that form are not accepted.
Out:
12 h 33 min
